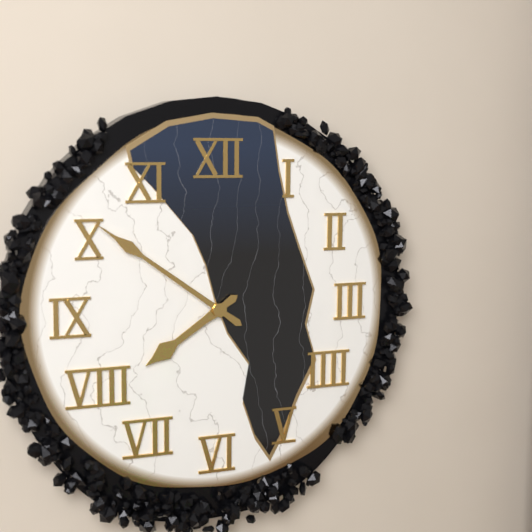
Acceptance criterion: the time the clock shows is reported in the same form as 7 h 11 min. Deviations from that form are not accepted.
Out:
7 h 51 min
